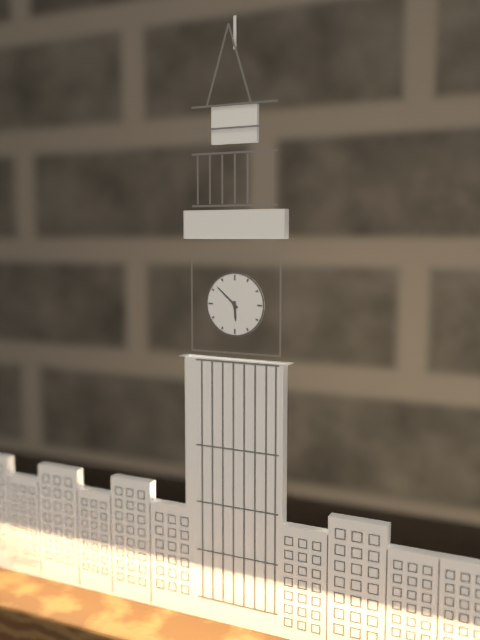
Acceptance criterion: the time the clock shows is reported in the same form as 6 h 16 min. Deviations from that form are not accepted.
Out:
5 h 52 min
